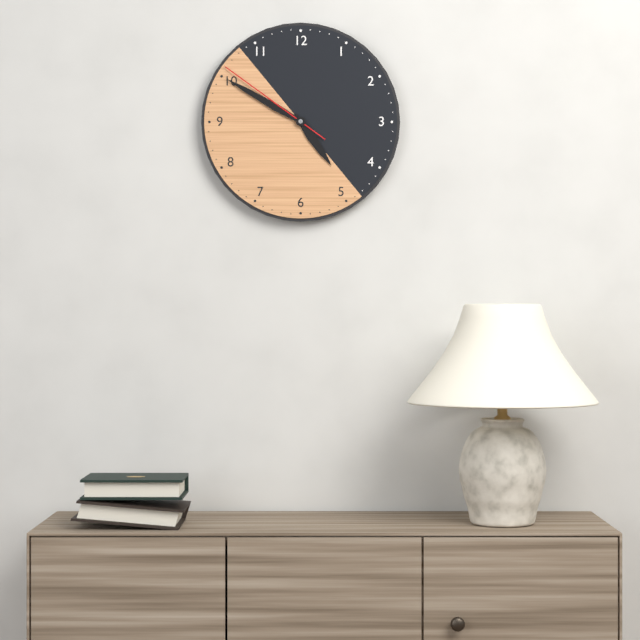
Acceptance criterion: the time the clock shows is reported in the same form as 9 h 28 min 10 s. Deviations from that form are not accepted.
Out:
4 h 50 min 51 s
